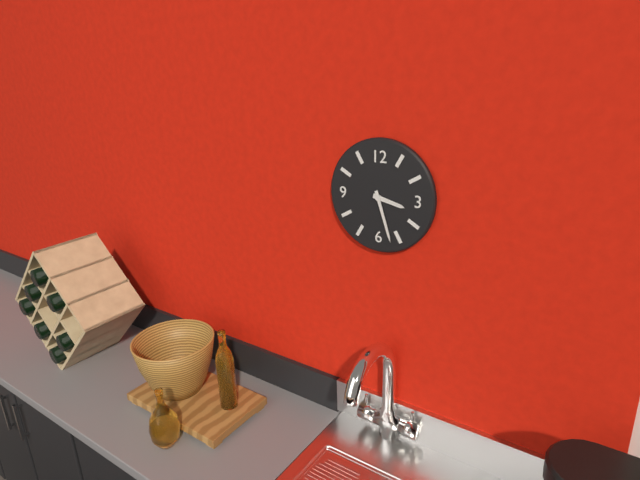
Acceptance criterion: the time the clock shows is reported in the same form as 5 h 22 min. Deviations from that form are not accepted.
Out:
3 h 27 min
